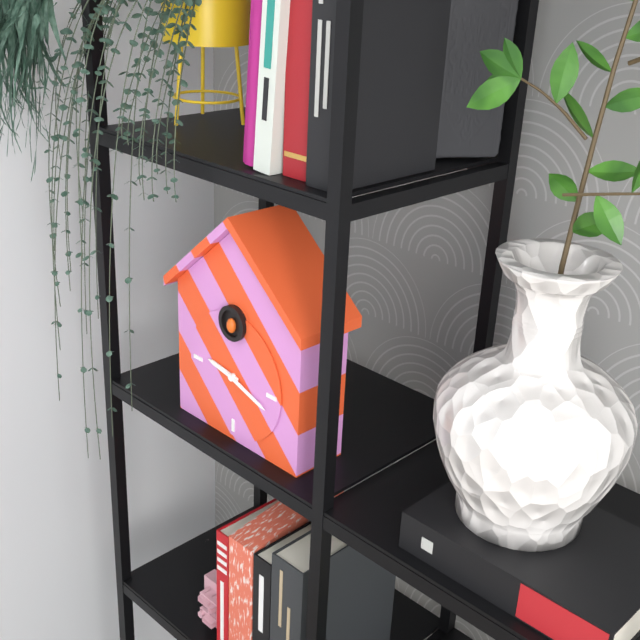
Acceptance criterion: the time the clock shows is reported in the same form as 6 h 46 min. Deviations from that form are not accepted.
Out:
9 h 18 min
